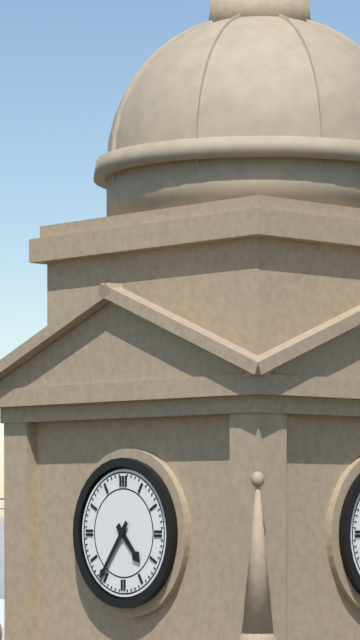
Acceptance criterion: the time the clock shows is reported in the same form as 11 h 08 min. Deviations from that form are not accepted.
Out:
4 h 36 min
